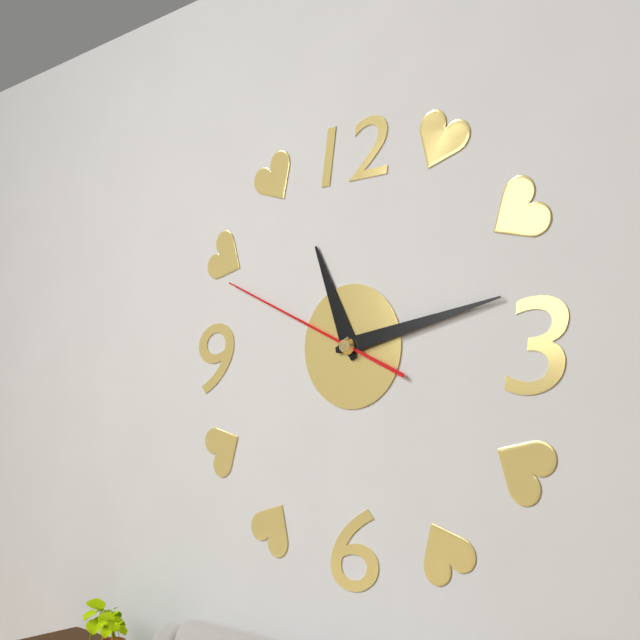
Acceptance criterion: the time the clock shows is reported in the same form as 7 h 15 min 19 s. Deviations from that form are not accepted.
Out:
11 h 13 min 49 s
